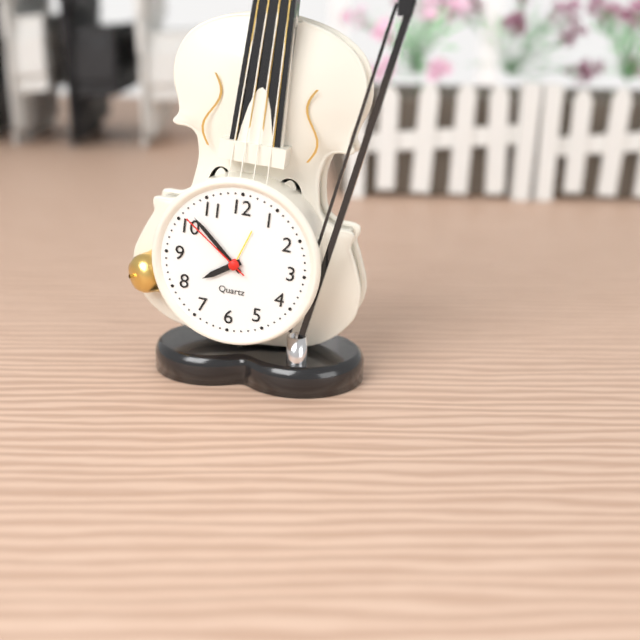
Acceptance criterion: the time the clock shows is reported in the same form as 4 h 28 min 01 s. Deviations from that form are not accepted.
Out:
7 h 52 min 51 s
